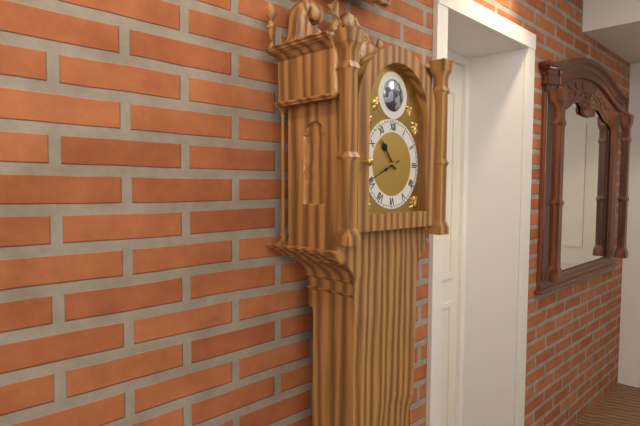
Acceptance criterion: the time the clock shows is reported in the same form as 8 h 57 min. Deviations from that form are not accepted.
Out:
10 h 41 min
